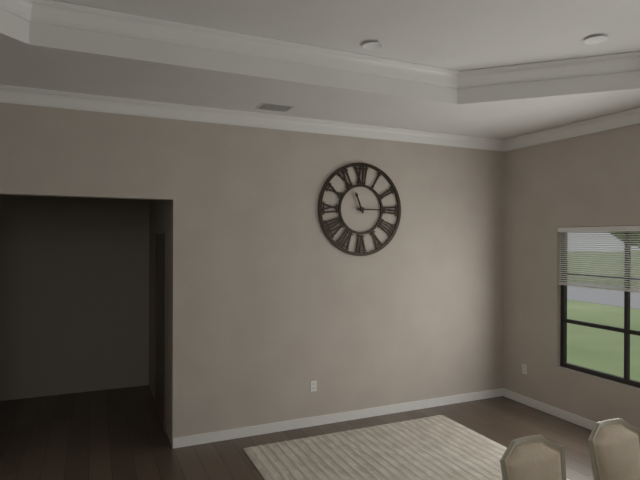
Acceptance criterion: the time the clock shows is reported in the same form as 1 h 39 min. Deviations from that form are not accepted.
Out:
11 h 15 min
